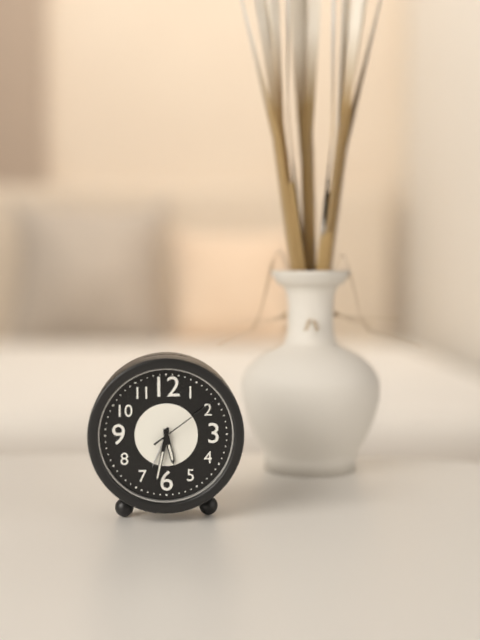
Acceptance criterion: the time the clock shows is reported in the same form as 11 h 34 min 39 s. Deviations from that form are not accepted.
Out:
5 h 32 min 09 s
